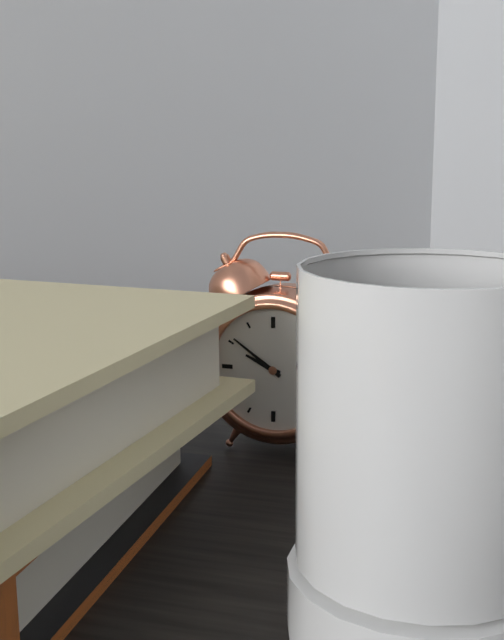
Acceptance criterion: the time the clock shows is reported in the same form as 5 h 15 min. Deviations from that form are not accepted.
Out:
9 h 51 min
